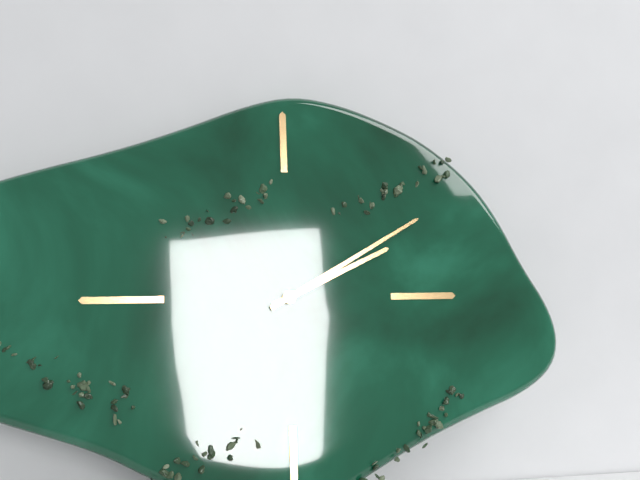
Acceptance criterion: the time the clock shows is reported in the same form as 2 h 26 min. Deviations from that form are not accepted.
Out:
2 h 10 min
